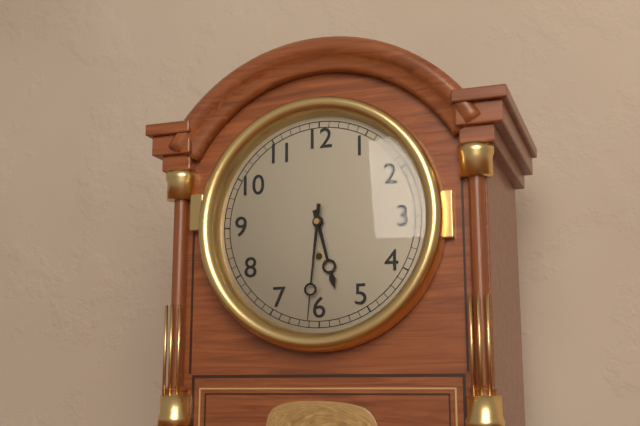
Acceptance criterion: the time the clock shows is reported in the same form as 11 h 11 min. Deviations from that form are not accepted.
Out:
5 h 31 min
